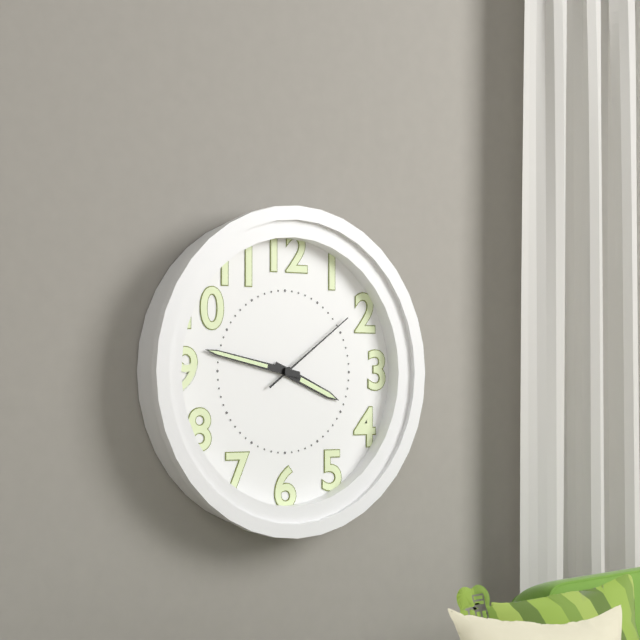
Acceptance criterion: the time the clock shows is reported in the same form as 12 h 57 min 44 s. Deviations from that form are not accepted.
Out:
3 h 47 min 09 s
